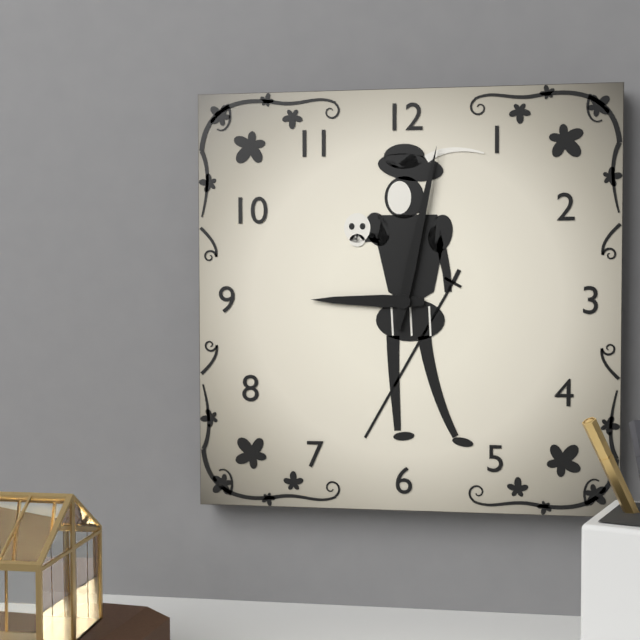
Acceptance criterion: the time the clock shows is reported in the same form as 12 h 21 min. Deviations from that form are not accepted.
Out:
9 h 02 min
